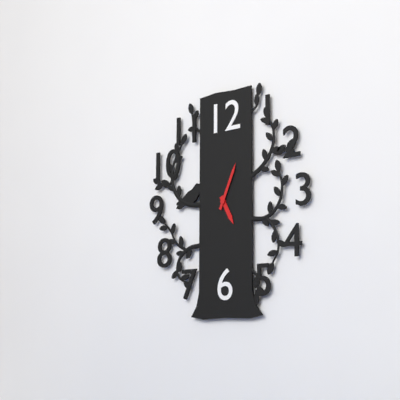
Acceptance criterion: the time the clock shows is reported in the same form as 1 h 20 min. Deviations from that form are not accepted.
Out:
5 h 04 min
